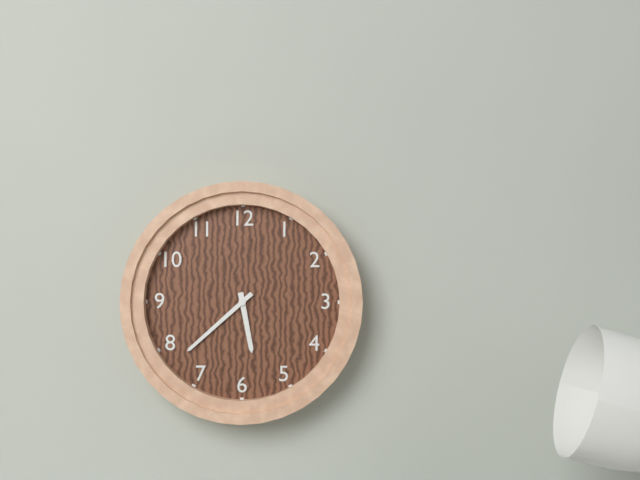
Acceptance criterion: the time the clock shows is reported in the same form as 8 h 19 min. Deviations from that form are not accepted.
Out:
5 h 38 min
